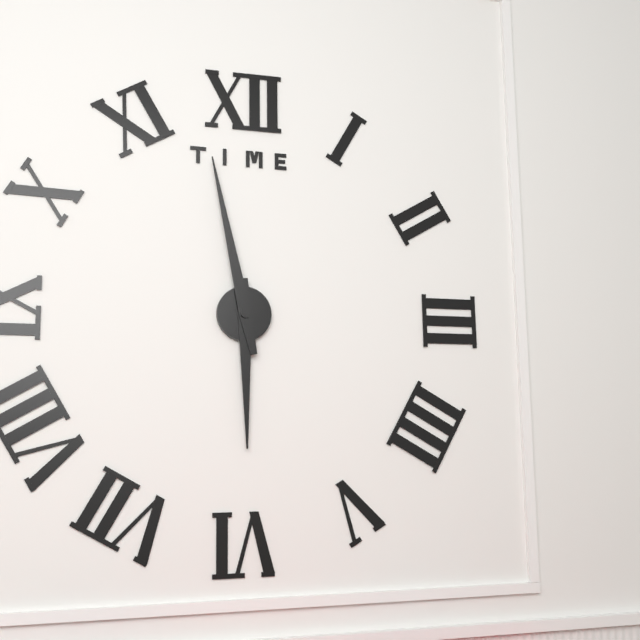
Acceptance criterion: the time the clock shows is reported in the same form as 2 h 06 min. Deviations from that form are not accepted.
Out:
5 h 58 min
